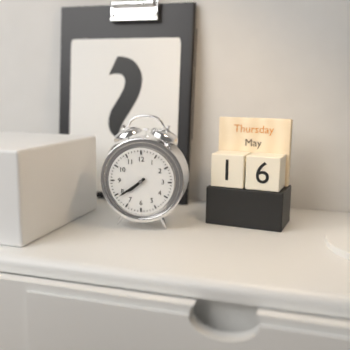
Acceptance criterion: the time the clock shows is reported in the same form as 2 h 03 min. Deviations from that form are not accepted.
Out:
7 h 39 min
